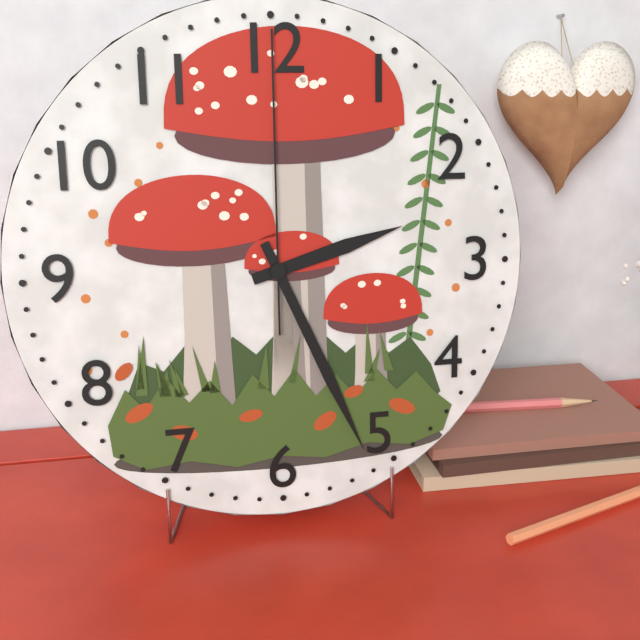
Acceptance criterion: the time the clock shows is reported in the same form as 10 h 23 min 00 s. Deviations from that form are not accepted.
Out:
2 h 26 min 00 s
